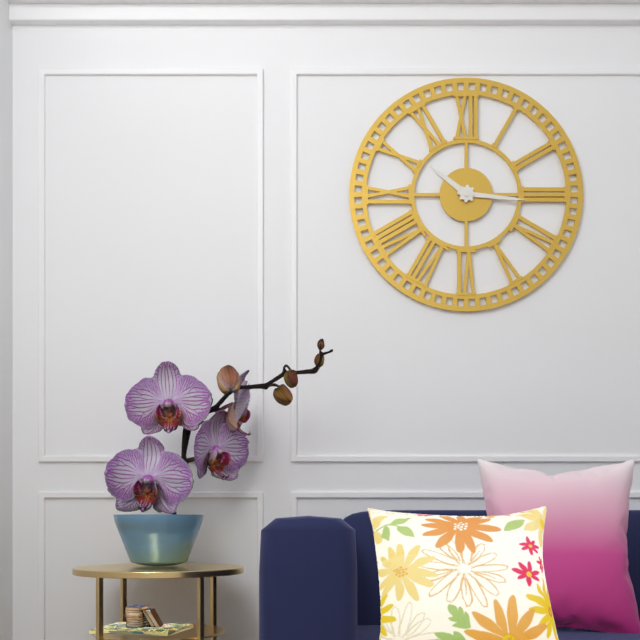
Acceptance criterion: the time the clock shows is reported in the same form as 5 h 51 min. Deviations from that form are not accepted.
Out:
10 h 16 min
